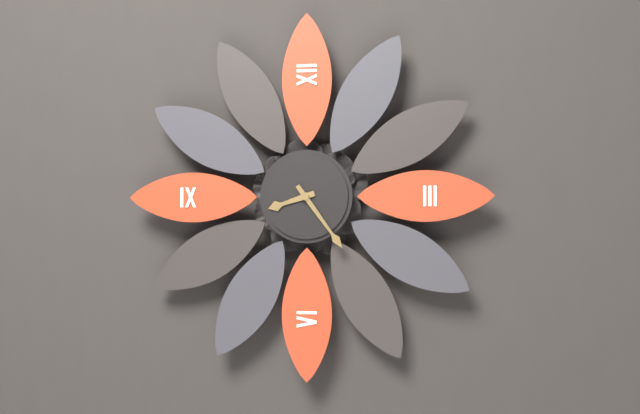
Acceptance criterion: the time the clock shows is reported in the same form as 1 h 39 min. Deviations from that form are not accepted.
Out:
8 h 24 min
